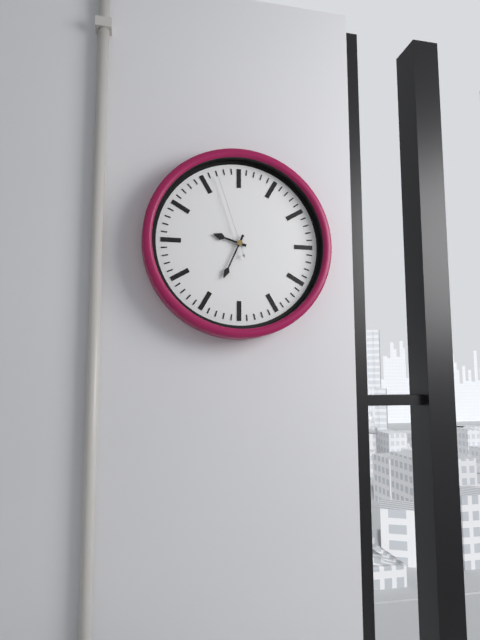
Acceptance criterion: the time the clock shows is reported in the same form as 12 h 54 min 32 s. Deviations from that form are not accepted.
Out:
9 h 34 min 57 s
